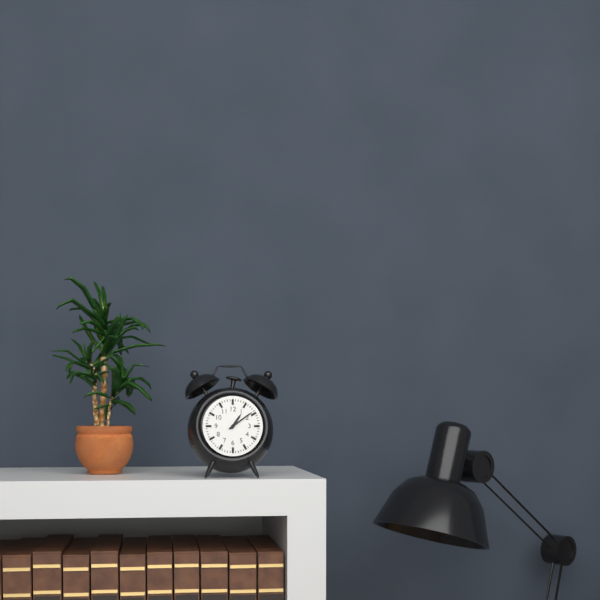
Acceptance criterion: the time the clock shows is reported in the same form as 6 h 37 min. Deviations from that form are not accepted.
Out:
1 h 09 min
